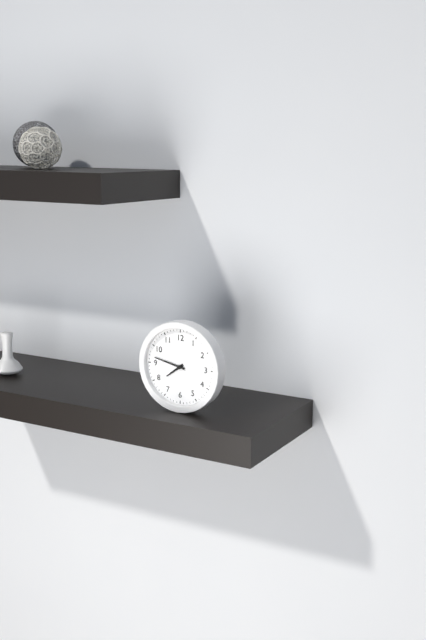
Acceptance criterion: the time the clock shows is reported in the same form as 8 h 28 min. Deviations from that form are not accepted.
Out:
7 h 47 min
